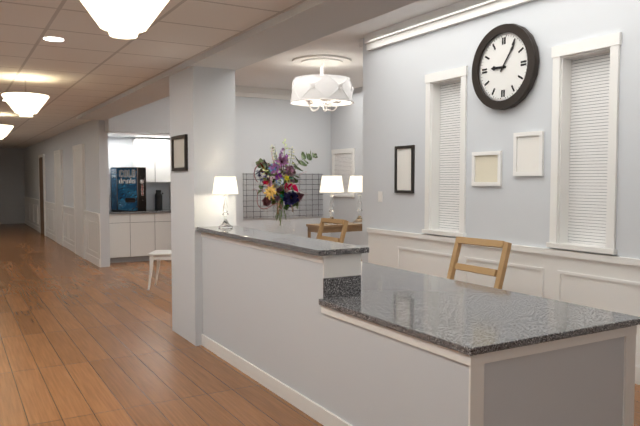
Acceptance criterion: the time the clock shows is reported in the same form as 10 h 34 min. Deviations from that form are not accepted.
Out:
9 h 06 min
